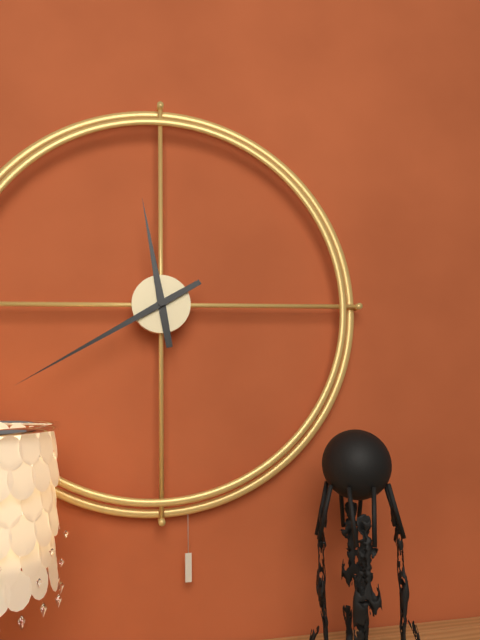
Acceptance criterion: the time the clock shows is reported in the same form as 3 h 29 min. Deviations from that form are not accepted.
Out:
11 h 40 min
